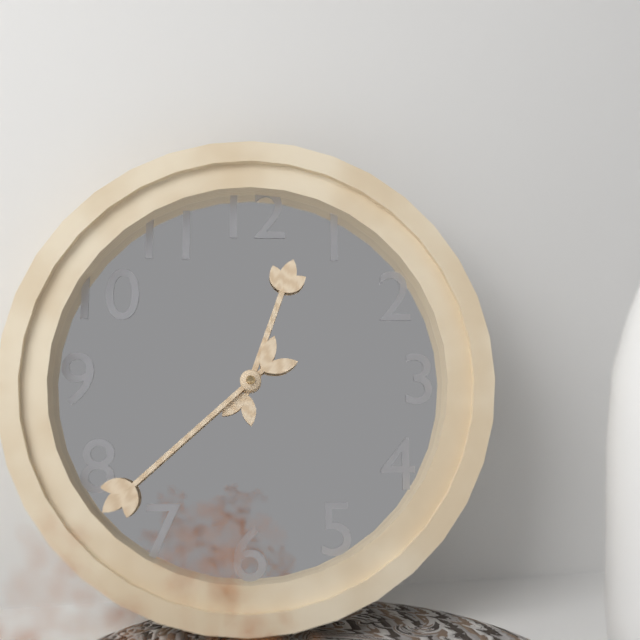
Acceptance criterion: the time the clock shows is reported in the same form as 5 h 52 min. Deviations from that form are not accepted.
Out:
12 h 38 min
